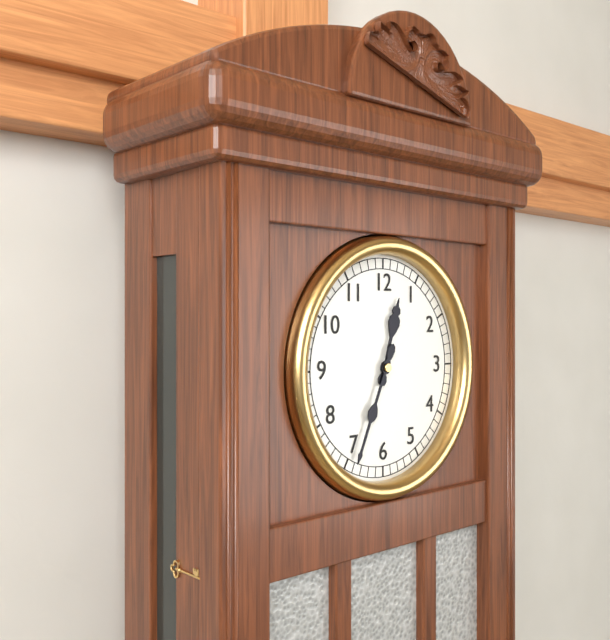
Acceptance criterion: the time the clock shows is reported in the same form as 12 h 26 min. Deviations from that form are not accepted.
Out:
12 h 34 min
